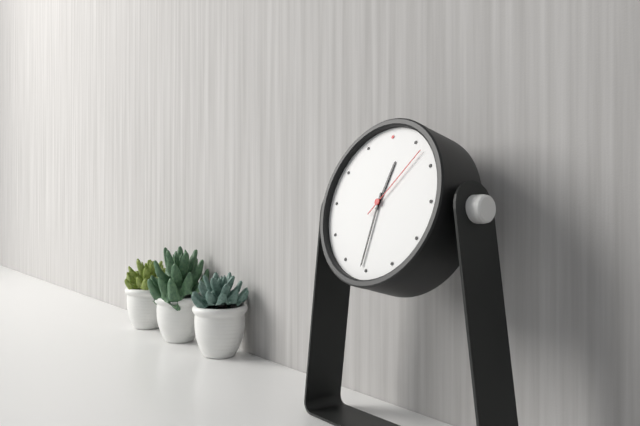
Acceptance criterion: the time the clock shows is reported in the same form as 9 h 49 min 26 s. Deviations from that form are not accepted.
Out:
12 h 31 min 07 s
